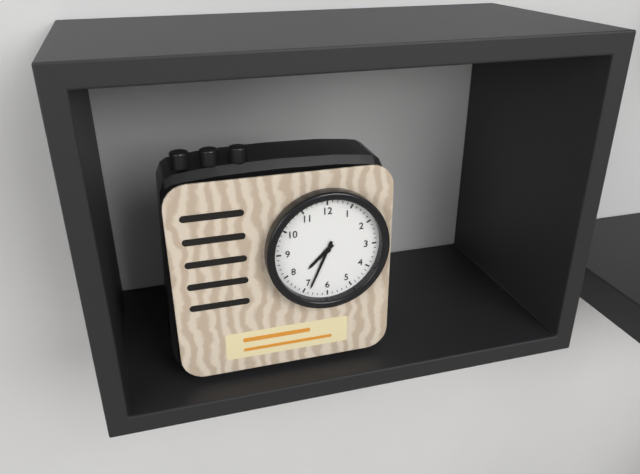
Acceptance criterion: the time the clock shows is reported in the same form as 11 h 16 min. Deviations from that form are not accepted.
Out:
7 h 34 min
